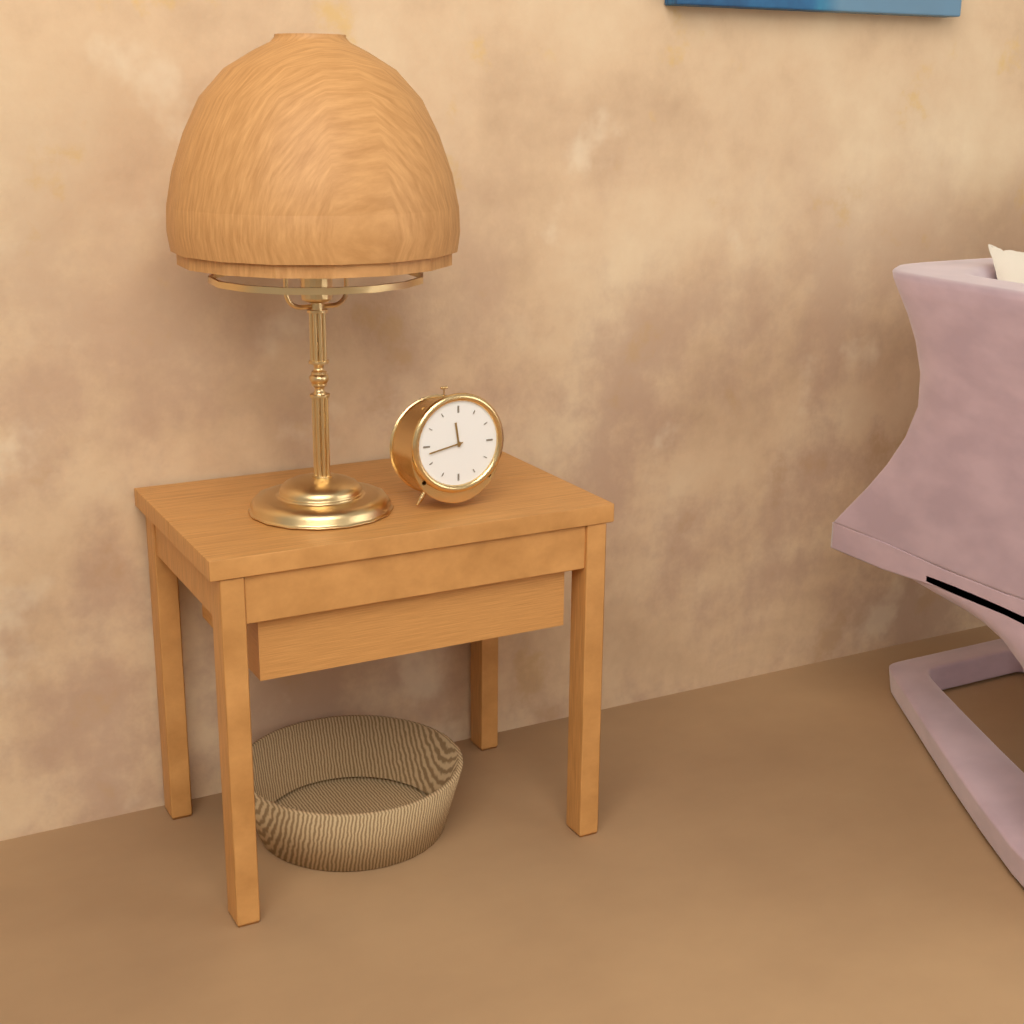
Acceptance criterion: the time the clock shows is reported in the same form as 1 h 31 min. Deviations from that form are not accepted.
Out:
11 h 43 min
